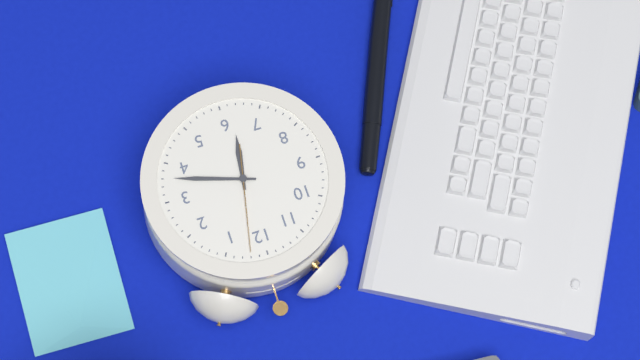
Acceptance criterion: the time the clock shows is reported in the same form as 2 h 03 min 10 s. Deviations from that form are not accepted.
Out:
6 h 18 min 02 s
